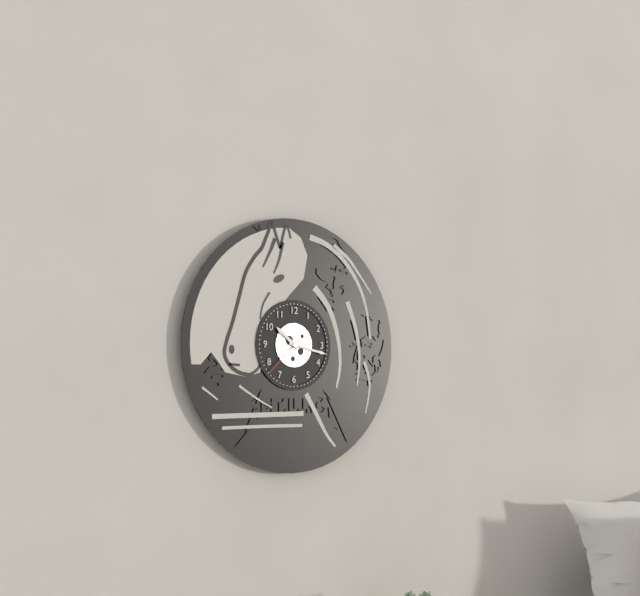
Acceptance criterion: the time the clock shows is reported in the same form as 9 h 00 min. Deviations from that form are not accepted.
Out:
10 h 17 min
